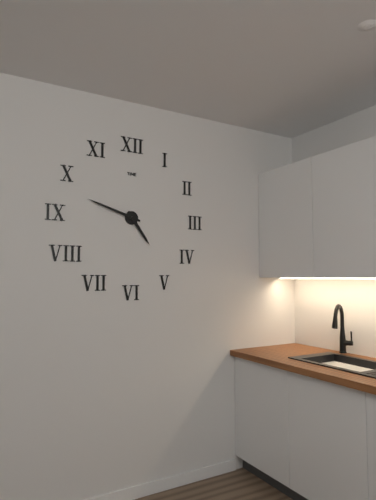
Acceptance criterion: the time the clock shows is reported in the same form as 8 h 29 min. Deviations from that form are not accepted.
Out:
4 h 48 min
